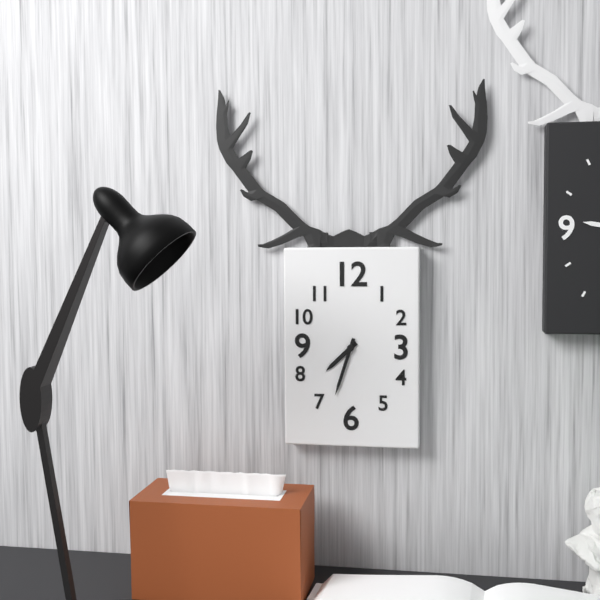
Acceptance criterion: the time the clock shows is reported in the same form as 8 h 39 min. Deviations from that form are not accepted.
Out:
7 h 33 min
